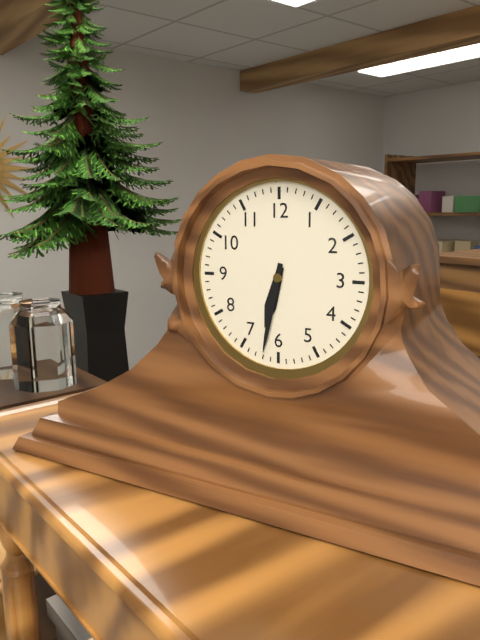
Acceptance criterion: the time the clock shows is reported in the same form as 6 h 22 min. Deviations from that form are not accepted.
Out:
6 h 32 min
